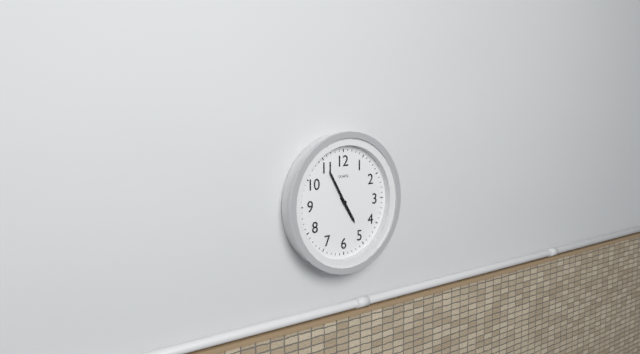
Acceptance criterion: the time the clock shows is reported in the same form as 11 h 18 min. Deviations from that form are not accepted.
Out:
4 h 55 min
